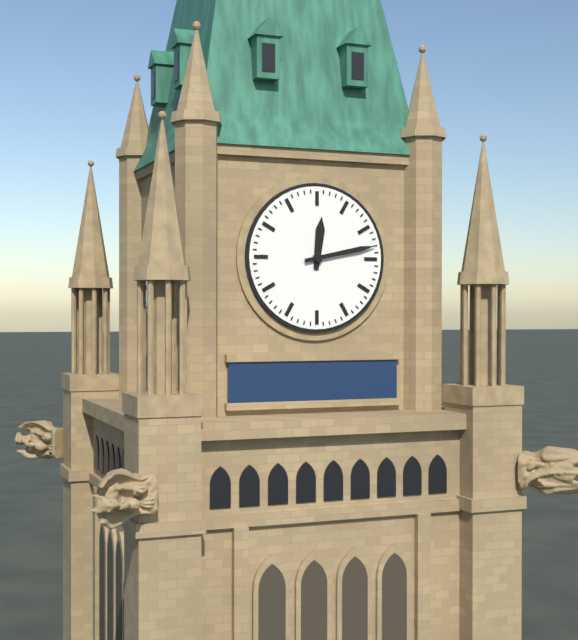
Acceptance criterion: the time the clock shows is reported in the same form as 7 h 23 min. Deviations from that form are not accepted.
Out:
12 h 13 min
